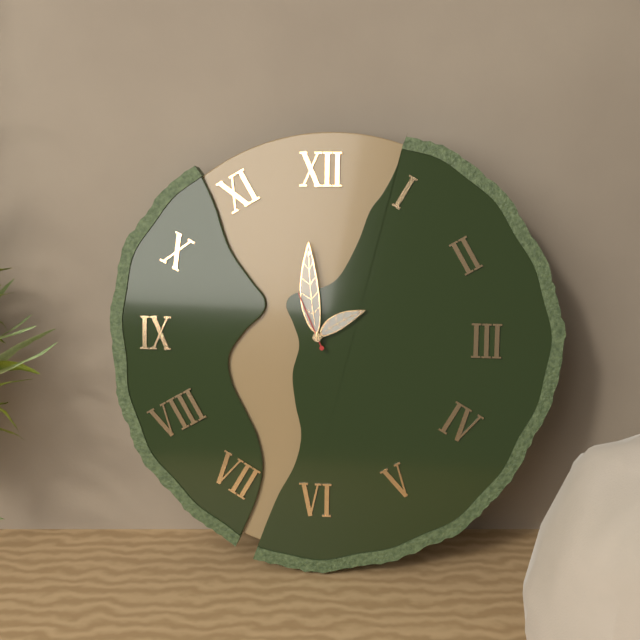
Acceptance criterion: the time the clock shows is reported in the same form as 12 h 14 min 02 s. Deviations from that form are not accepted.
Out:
1 h 59 min 56 s
